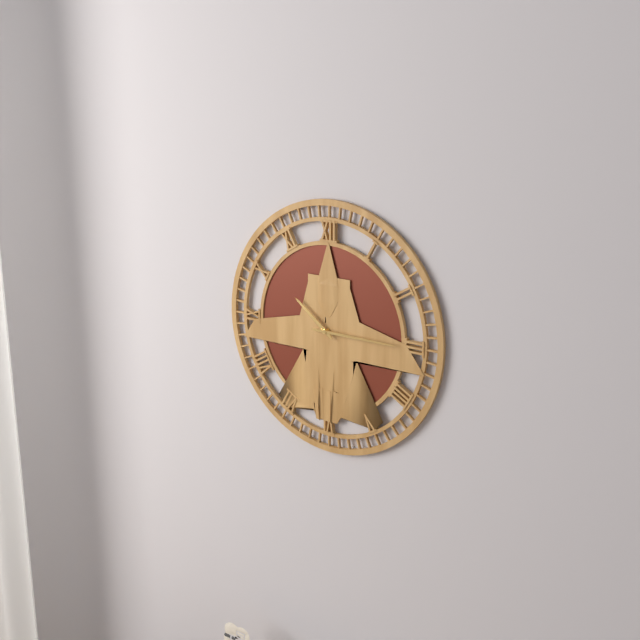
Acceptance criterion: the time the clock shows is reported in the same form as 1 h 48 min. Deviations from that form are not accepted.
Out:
10 h 15 min
